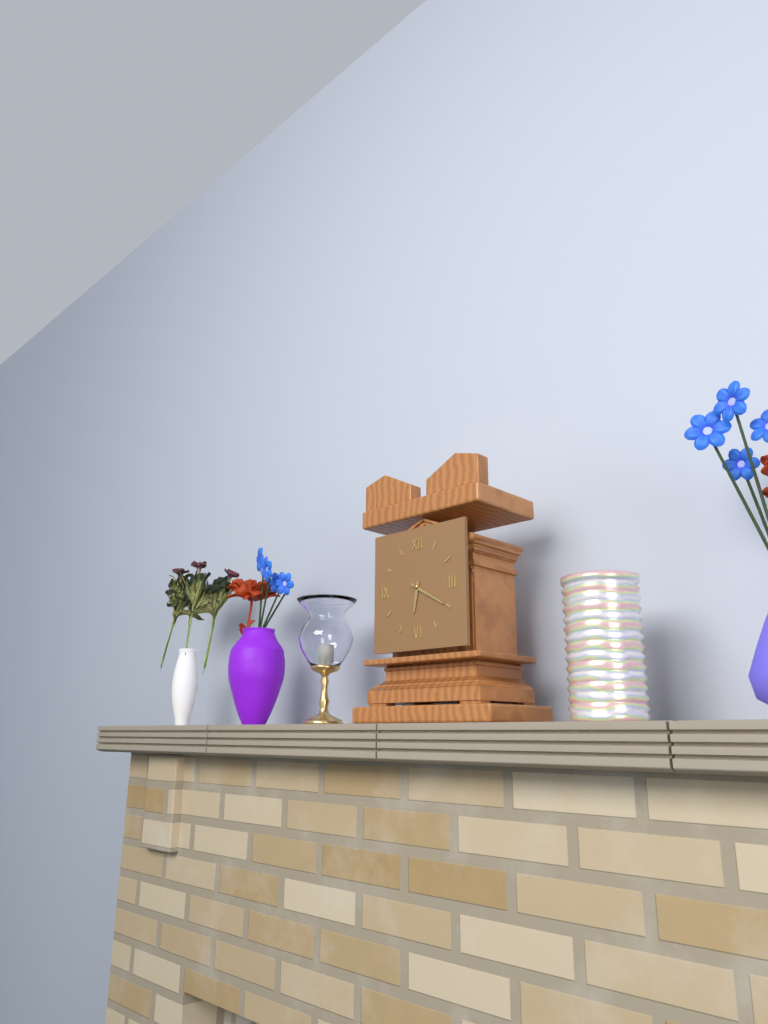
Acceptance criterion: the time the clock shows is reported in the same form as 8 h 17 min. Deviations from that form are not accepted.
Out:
6 h 20 min
